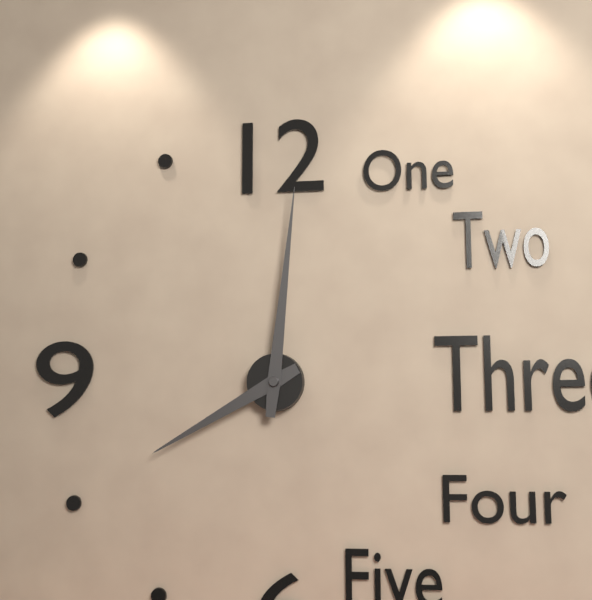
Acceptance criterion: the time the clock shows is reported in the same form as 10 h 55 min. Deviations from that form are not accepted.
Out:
8 h 01 min
